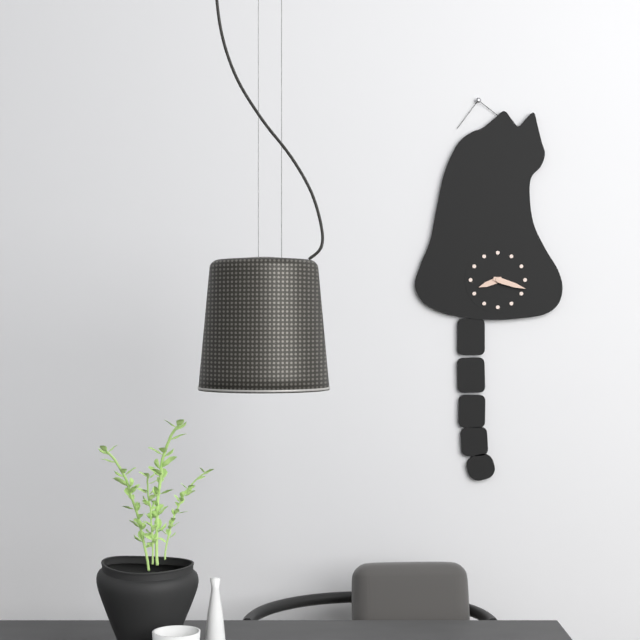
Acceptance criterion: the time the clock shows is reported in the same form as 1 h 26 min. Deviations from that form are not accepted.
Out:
8 h 18 min
